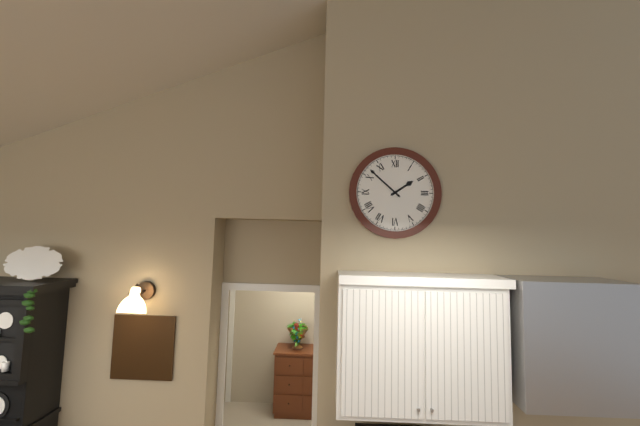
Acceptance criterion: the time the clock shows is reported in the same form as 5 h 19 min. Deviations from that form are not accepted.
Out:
1 h 52 min
